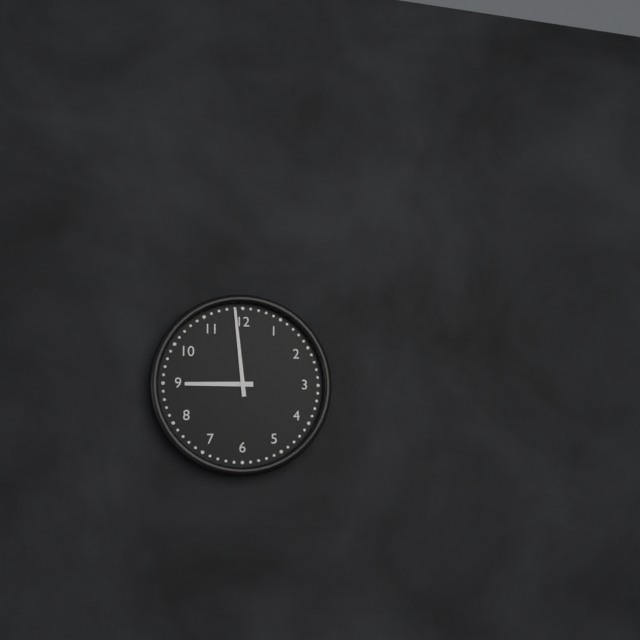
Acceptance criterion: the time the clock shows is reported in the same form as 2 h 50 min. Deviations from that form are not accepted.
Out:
8 h 59 min
